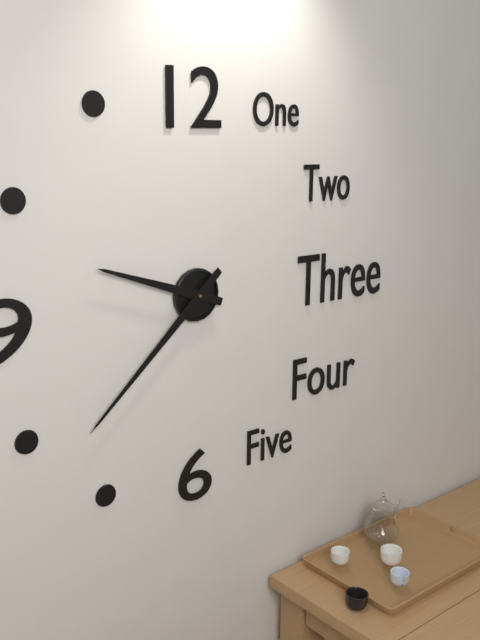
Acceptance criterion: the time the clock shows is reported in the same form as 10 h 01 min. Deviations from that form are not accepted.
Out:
9 h 38 min
